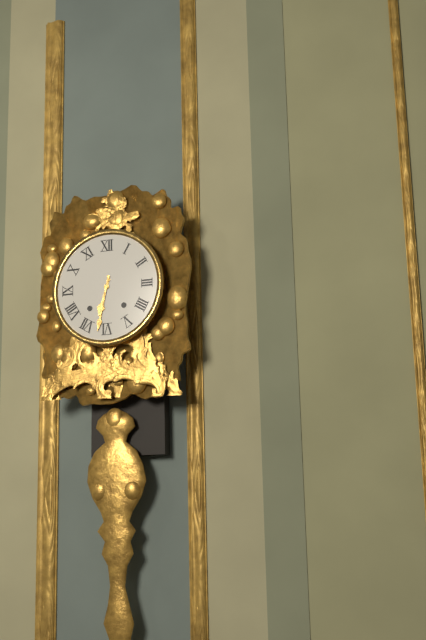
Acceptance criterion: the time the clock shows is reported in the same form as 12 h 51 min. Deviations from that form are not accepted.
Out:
6 h 32 min
